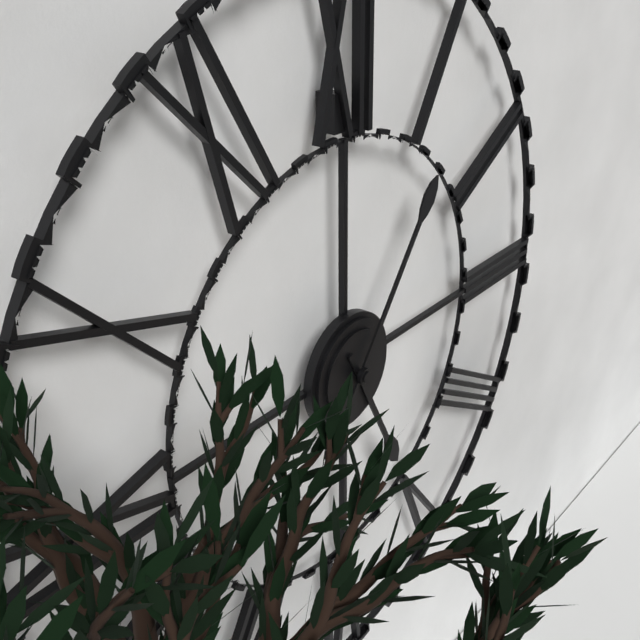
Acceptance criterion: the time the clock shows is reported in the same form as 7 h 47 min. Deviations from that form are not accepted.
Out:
5 h 06 min
